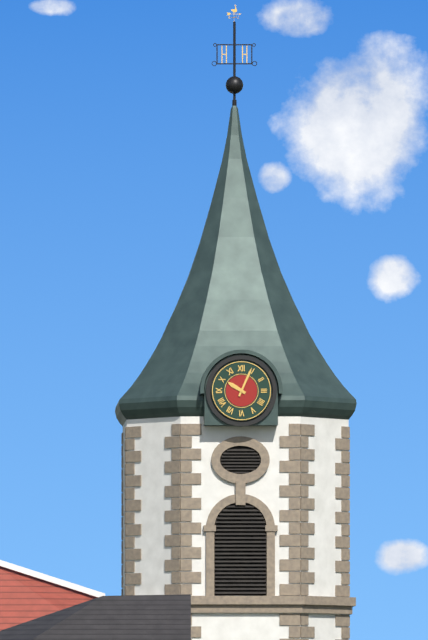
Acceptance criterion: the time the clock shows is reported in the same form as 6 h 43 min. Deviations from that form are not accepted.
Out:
10 h 04 min
